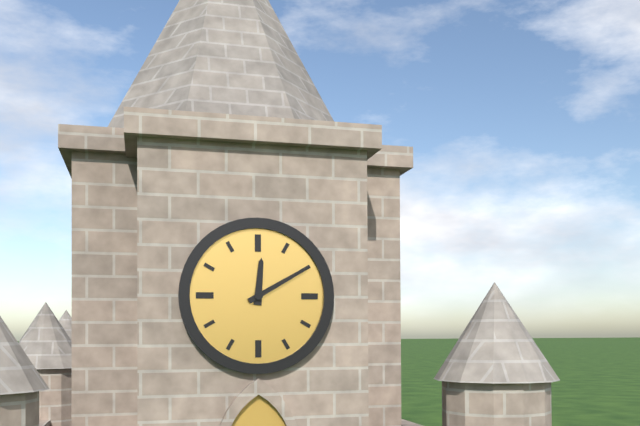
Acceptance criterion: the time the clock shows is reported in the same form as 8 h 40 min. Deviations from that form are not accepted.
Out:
12 h 10 min
